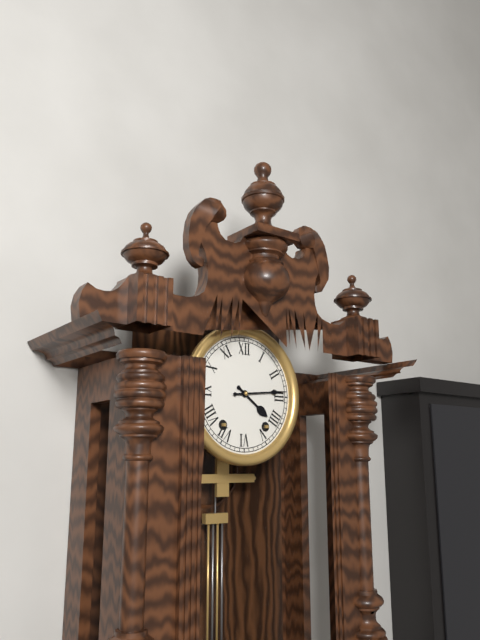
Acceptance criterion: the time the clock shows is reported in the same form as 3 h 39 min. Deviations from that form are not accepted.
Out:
4 h 14 min
